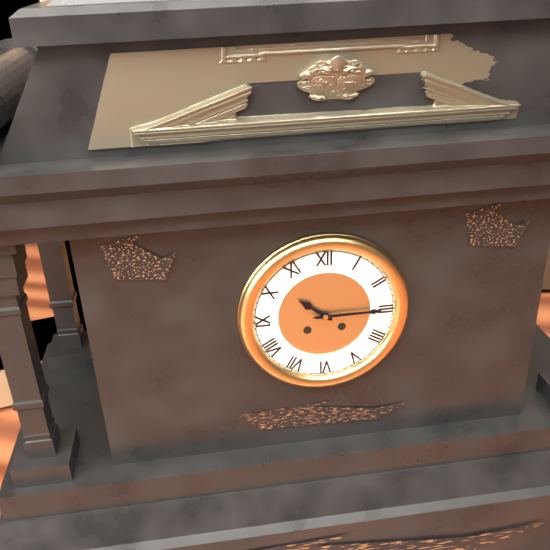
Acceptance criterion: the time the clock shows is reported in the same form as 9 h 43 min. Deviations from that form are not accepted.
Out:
10 h 15 min
